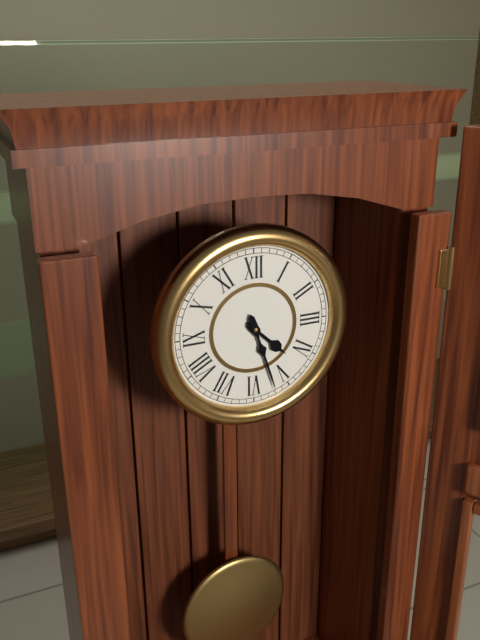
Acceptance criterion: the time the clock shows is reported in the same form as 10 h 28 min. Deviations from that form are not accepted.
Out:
4 h 27 min
